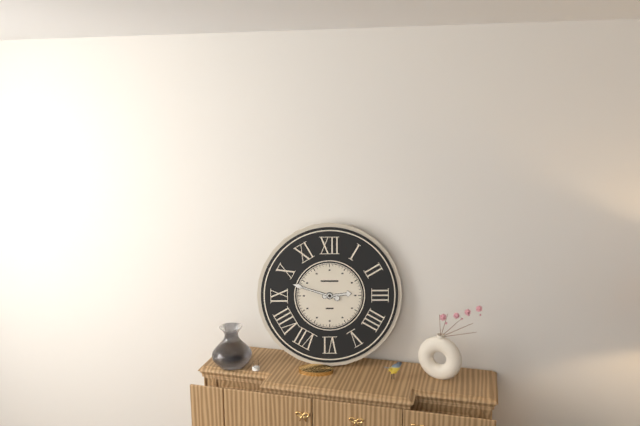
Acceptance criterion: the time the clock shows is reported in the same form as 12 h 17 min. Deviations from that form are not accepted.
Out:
2 h 48 min
